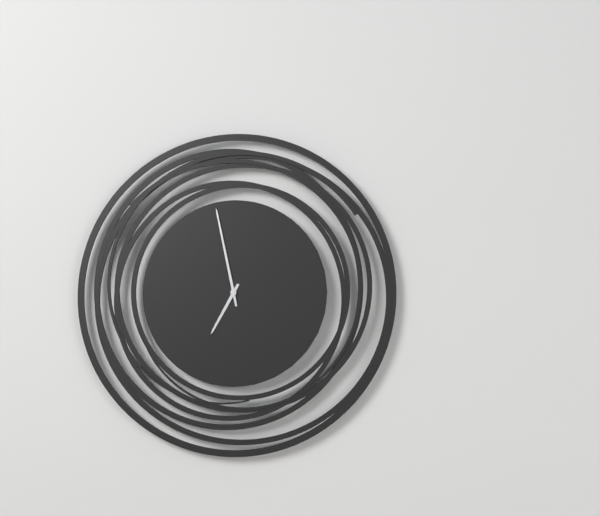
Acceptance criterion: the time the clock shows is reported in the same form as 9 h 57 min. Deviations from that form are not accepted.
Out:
6 h 58 min
